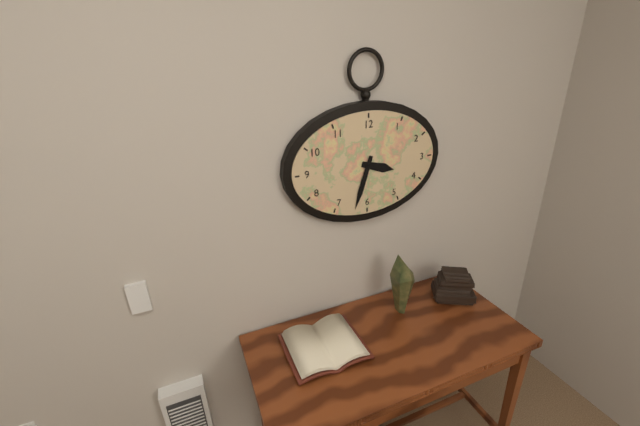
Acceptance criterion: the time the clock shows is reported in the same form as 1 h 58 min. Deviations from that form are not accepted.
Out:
3 h 33 min
